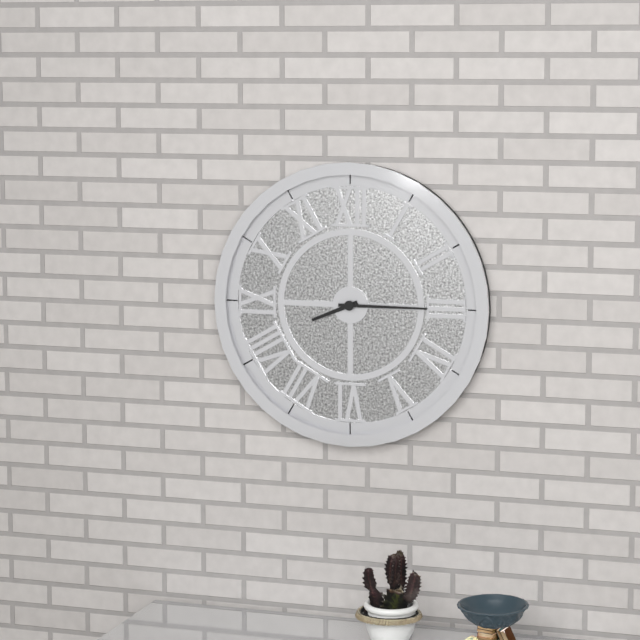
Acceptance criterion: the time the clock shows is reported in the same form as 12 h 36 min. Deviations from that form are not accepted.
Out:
8 h 15 min
